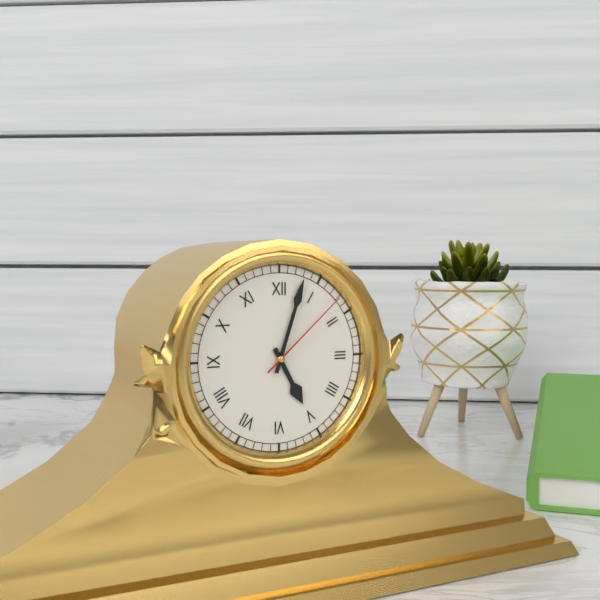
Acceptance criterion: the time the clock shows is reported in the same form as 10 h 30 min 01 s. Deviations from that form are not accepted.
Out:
5 h 03 min 08 s
